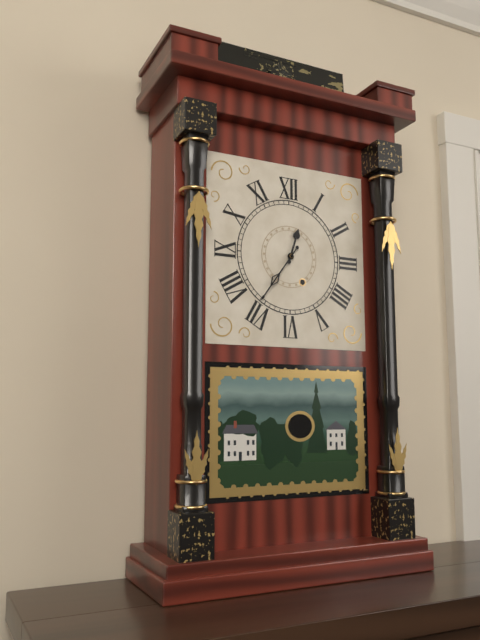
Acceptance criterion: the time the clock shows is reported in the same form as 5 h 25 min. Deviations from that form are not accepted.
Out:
12 h 36 min
